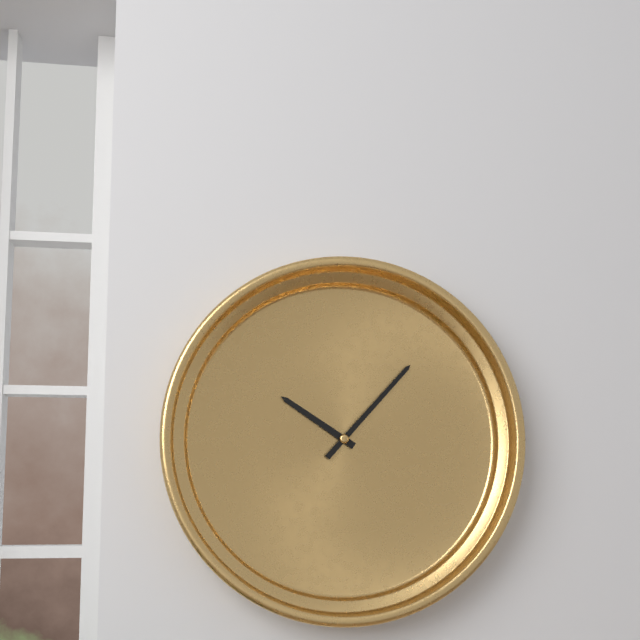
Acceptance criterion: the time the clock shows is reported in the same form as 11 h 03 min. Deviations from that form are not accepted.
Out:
10 h 07 min
